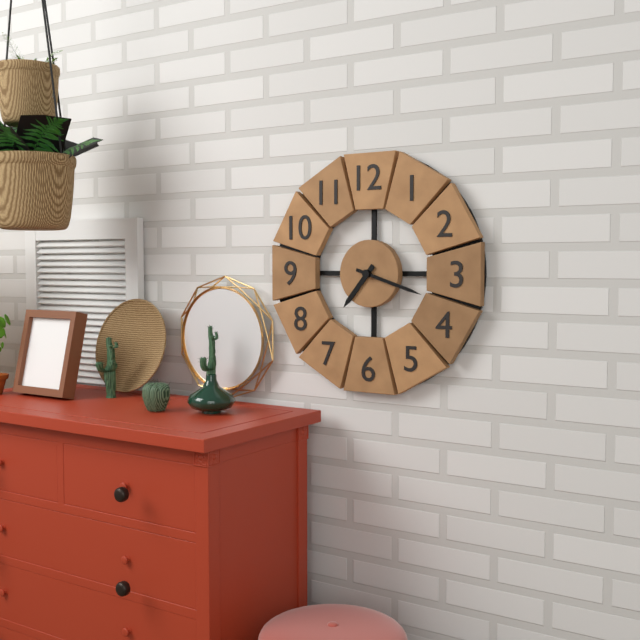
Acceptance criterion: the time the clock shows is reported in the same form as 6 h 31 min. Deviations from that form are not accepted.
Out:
7 h 18 min
